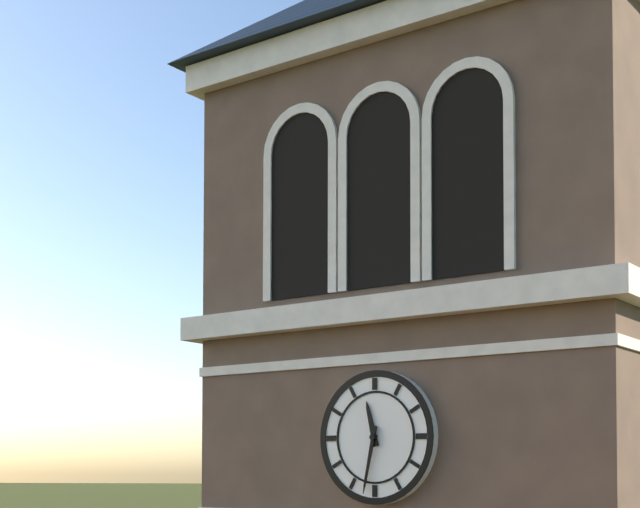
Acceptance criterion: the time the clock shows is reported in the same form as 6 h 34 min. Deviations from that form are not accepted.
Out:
11 h 32 min
